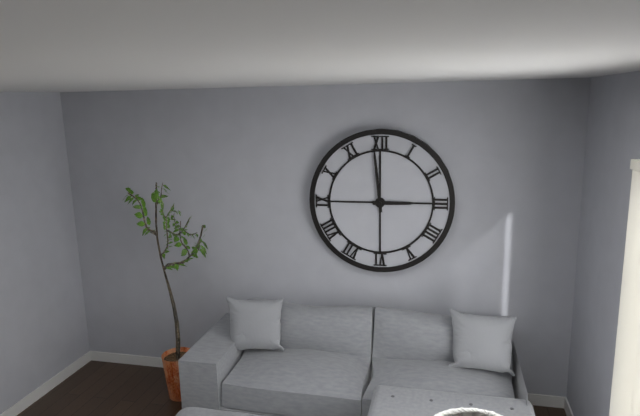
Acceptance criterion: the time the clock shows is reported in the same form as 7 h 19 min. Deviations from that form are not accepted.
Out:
2 h 59 min
